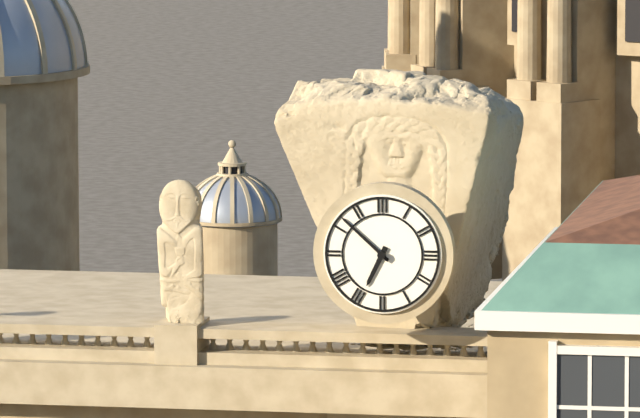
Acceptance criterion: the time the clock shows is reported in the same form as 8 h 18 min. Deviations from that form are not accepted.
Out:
6 h 52 min
